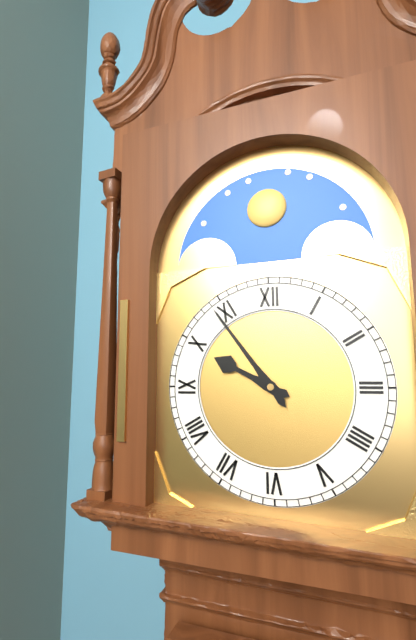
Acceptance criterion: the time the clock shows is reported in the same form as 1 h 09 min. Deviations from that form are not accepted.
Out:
9 h 54 min
